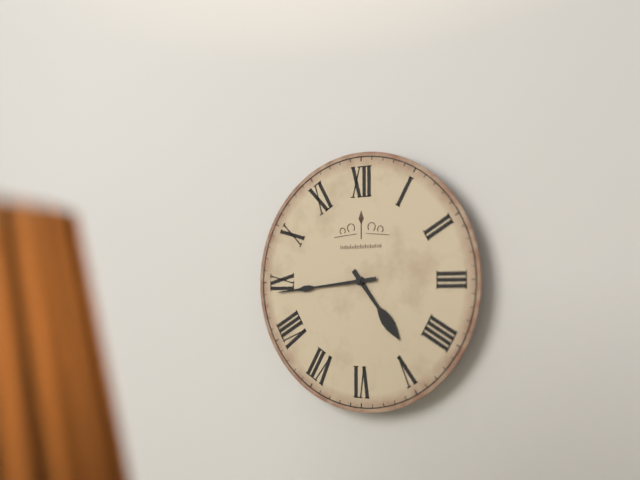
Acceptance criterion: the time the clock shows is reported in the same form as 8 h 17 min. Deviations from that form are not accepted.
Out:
4 h 44 min
